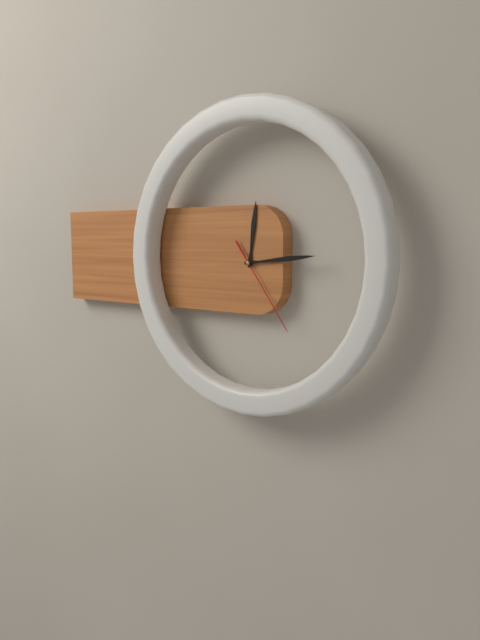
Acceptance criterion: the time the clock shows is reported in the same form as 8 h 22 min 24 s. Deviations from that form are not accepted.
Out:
12 h 14 min 24 s
